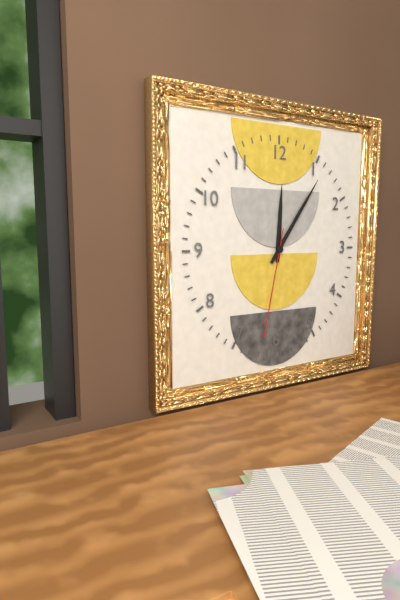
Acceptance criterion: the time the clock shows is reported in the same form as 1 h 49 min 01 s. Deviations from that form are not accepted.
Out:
12 h 06 min 32 s
